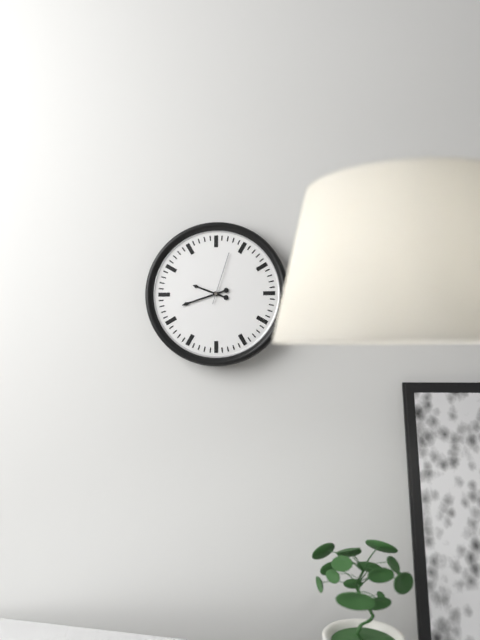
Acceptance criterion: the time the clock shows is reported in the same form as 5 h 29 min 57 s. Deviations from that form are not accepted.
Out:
9 h 42 min 03 s
